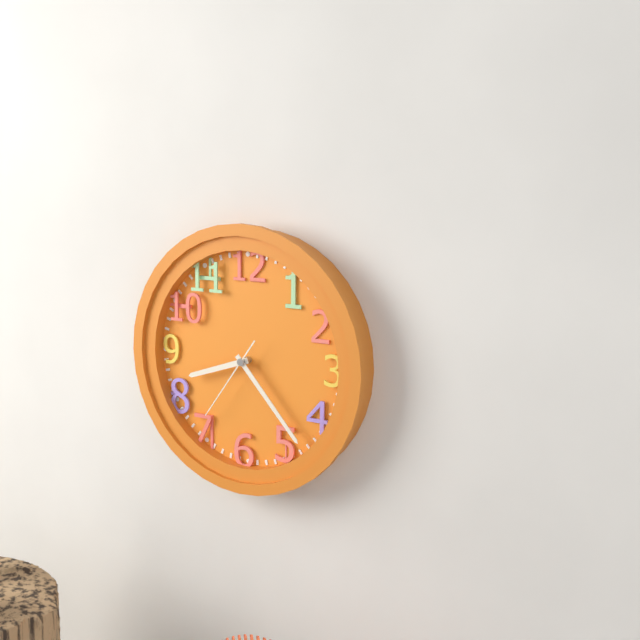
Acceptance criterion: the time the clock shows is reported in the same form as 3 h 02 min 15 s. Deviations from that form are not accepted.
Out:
8 h 23 min 36 s
